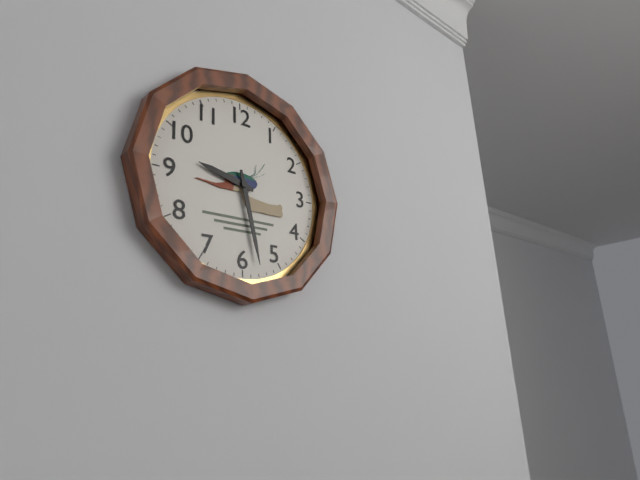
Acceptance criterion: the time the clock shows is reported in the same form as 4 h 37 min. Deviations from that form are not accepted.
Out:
9 h 28 min
